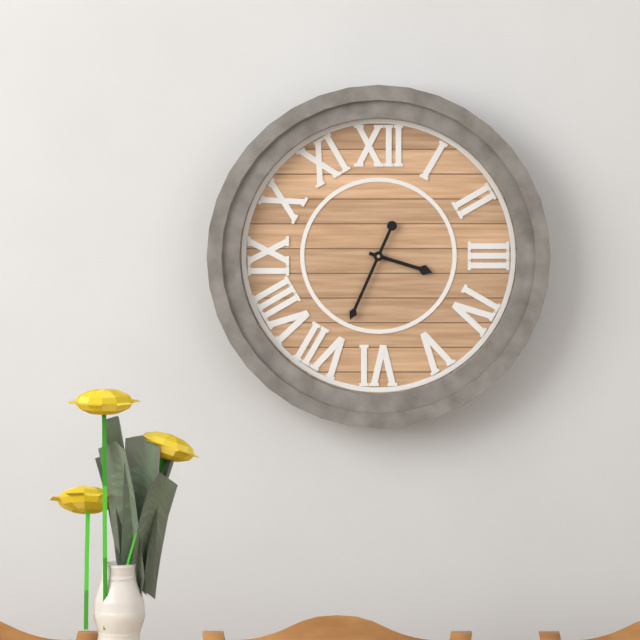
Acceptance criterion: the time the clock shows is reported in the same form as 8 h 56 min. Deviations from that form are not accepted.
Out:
3 h 34 min
